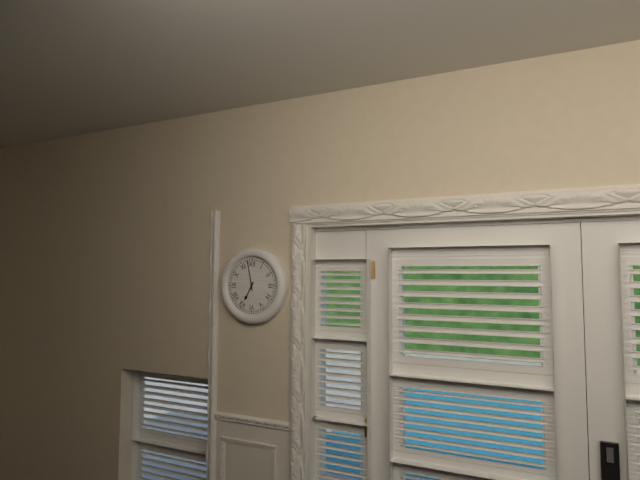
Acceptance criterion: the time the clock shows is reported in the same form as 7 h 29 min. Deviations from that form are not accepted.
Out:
6 h 58 min
